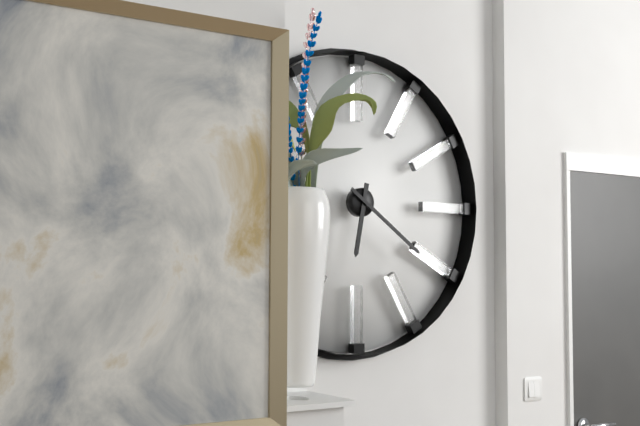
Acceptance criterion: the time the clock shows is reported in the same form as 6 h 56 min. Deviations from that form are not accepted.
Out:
6 h 21 min
